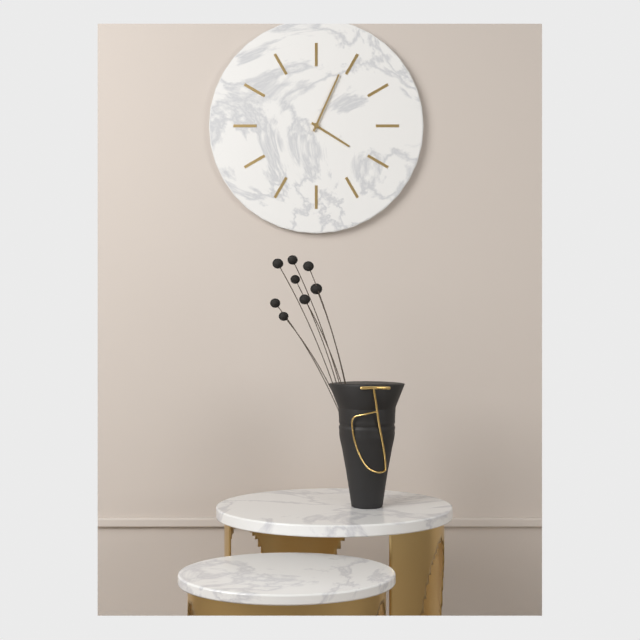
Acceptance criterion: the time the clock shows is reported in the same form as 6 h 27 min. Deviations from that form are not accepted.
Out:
4 h 04 min
